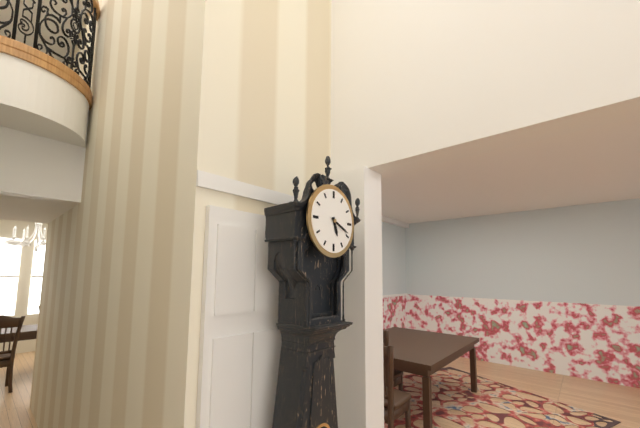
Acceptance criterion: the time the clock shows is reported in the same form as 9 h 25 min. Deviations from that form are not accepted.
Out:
5 h 19 min
